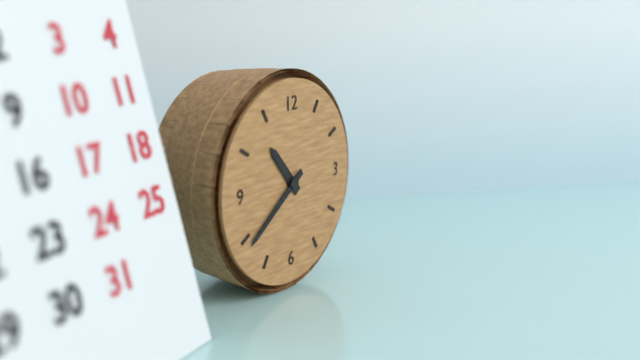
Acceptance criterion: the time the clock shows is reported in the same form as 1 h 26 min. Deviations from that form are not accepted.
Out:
10 h 39 min
